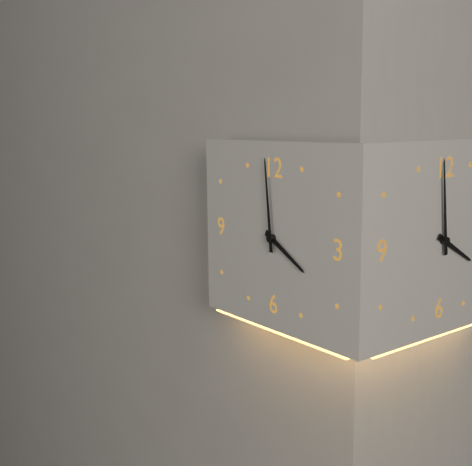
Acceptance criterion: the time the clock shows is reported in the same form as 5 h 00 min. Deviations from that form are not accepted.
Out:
3 h 59 min
